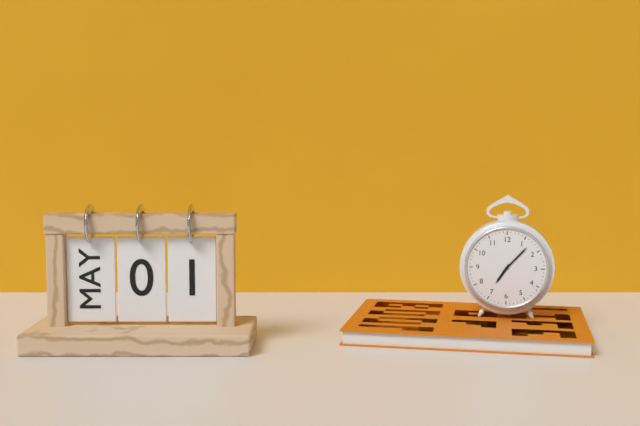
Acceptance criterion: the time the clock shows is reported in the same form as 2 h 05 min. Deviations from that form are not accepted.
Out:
7 h 07 min
